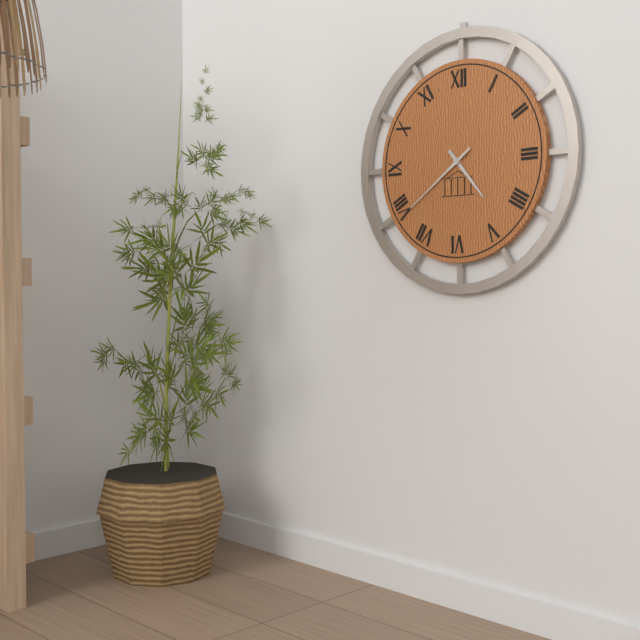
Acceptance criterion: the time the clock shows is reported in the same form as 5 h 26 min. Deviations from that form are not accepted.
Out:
4 h 39 min
